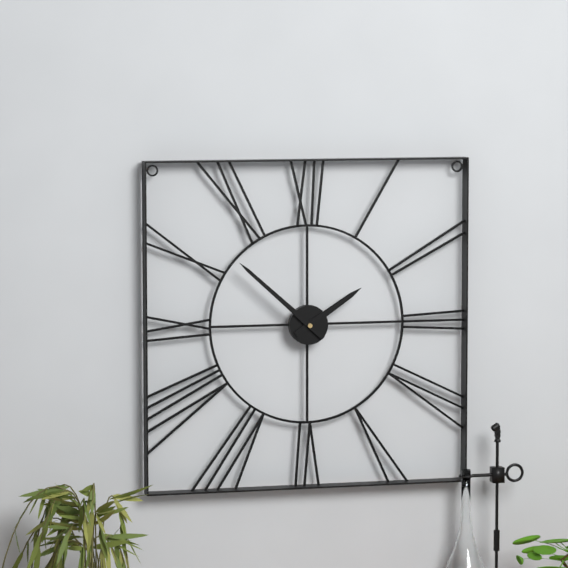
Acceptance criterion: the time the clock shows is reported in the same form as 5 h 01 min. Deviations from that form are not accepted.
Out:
1 h 52 min
